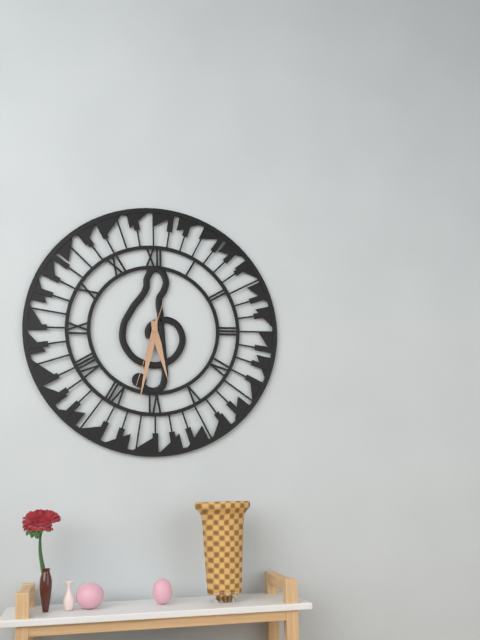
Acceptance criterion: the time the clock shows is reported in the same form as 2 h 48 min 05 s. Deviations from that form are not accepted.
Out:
5 h 32 min 33 s
